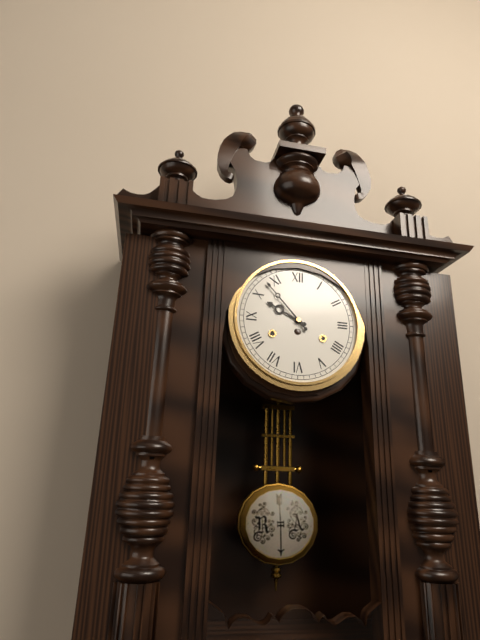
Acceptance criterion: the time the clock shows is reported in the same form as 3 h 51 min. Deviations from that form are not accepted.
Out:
9 h 53 min
